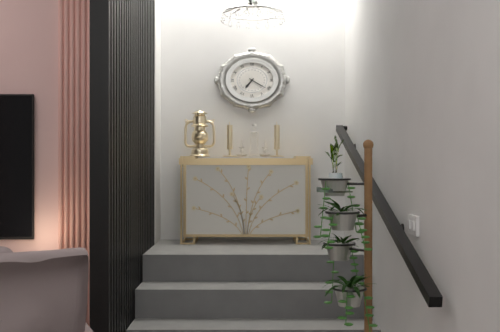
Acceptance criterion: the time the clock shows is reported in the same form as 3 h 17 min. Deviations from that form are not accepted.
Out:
7 h 20 min
